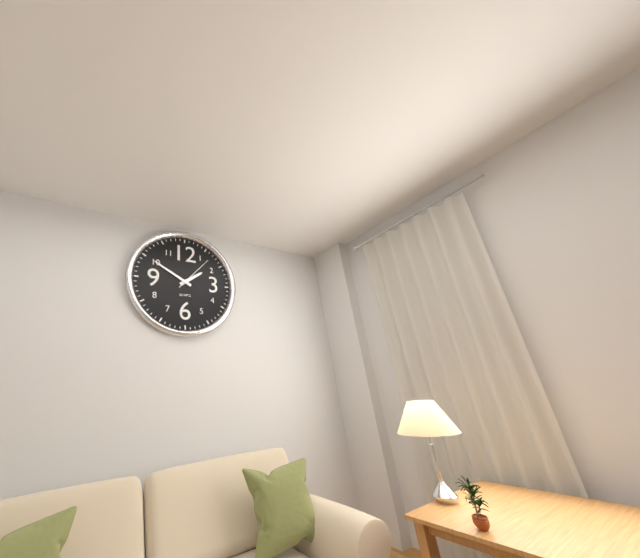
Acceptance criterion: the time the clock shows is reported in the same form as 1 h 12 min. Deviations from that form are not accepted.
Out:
1 h 50 min
